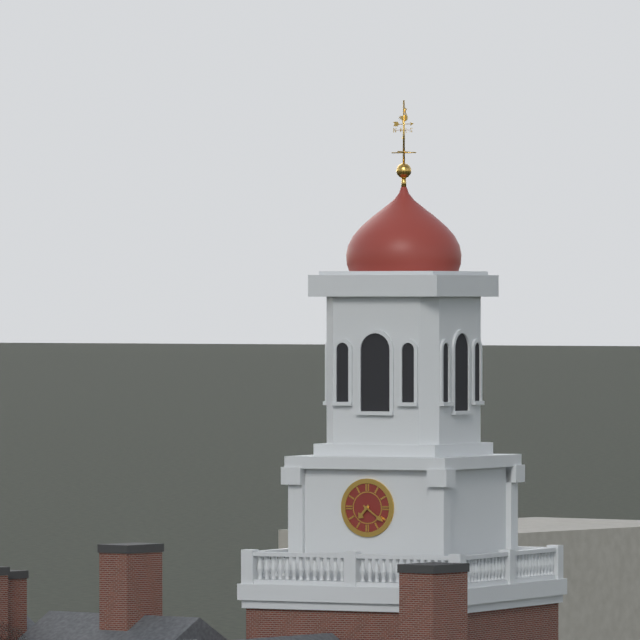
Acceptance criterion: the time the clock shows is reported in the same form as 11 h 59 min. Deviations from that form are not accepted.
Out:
7 h 21 min
